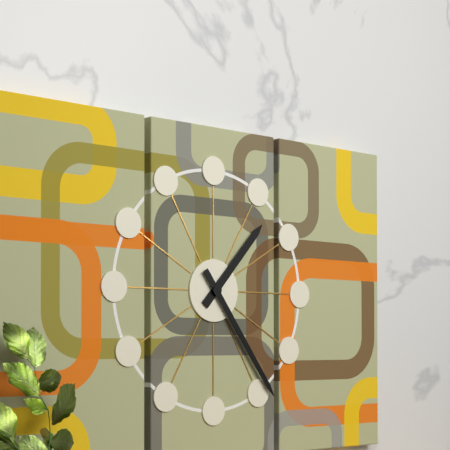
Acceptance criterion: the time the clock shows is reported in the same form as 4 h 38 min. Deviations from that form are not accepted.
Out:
1 h 24 min
